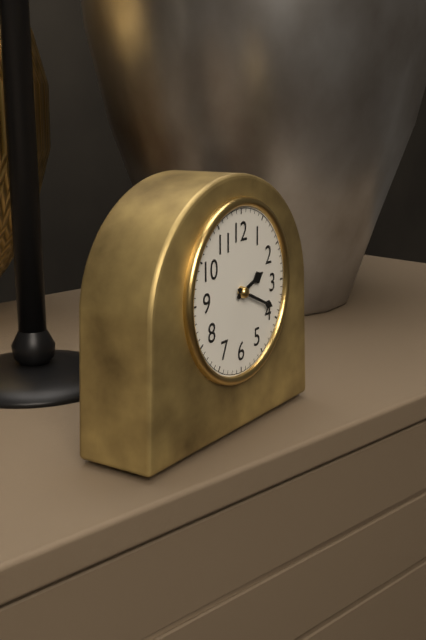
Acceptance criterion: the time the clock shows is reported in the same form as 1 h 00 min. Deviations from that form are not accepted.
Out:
2 h 19 min
